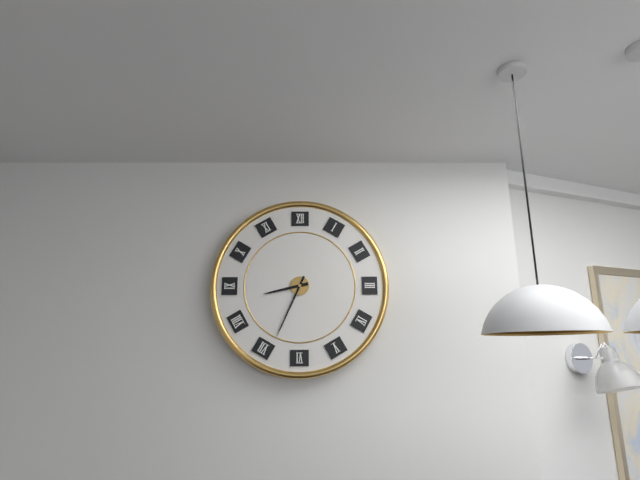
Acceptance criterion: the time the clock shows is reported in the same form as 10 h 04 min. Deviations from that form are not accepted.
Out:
8 h 34 min
